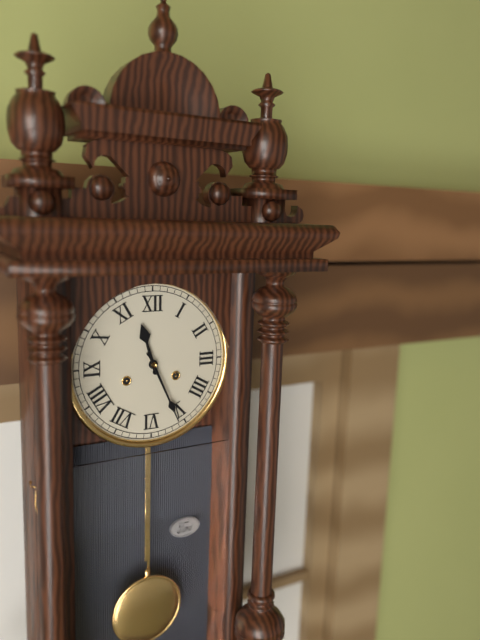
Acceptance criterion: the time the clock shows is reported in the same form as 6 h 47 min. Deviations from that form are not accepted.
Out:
11 h 26 min
